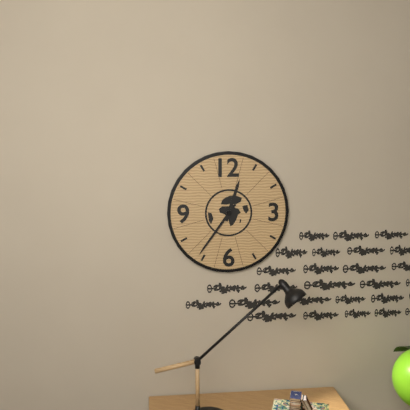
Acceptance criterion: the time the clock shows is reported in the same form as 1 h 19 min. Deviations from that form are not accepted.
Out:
12 h 36 min
